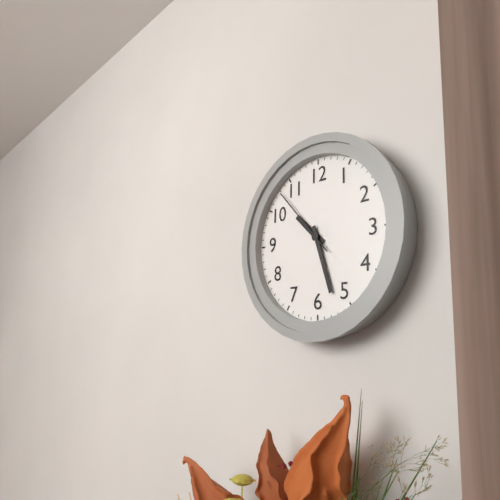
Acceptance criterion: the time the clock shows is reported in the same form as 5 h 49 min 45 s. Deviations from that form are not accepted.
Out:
10 h 27 min 53 s
